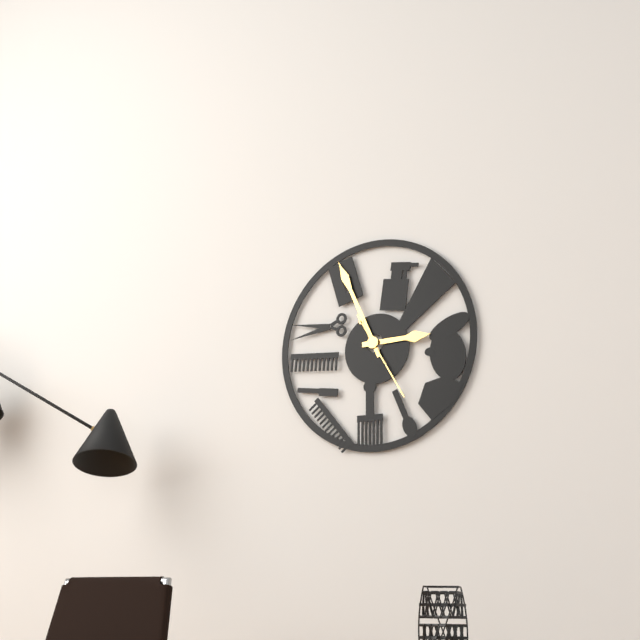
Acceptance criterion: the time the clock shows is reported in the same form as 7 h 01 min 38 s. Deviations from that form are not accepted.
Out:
2 h 56 min 25 s
